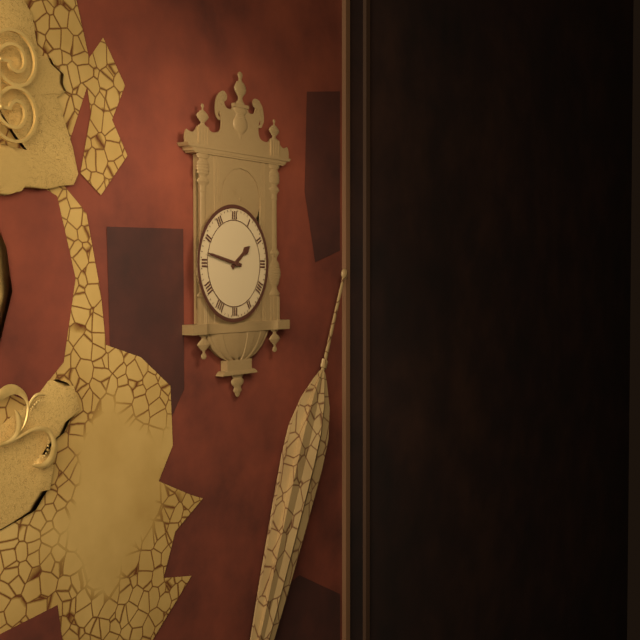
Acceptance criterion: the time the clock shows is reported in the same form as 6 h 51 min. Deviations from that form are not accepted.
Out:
1 h 47 min
